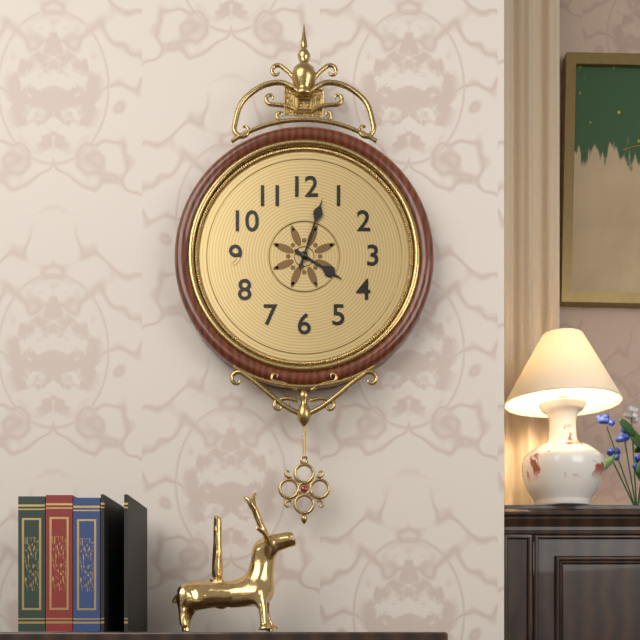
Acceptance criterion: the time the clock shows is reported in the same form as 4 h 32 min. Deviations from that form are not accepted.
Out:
4 h 03 min
